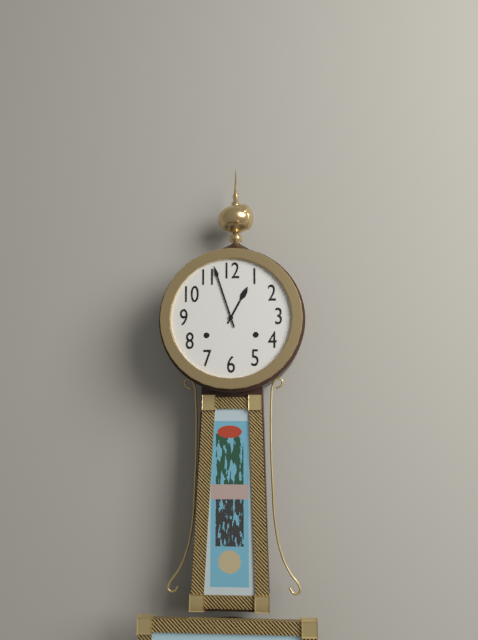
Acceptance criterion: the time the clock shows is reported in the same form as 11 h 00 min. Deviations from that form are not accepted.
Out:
12 h 57 min
